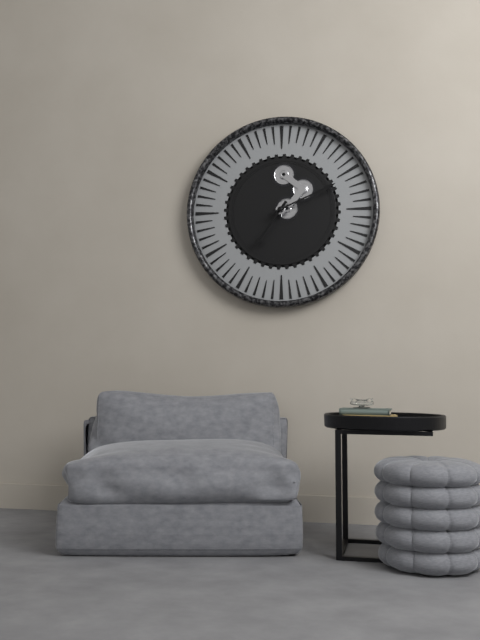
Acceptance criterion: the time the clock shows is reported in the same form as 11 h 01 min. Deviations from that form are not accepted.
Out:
7 h 11 min
